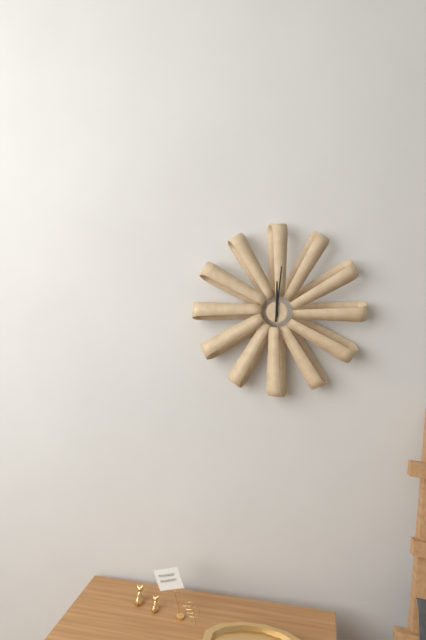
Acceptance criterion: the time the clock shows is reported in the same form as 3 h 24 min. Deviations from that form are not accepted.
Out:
12 h 01 min
